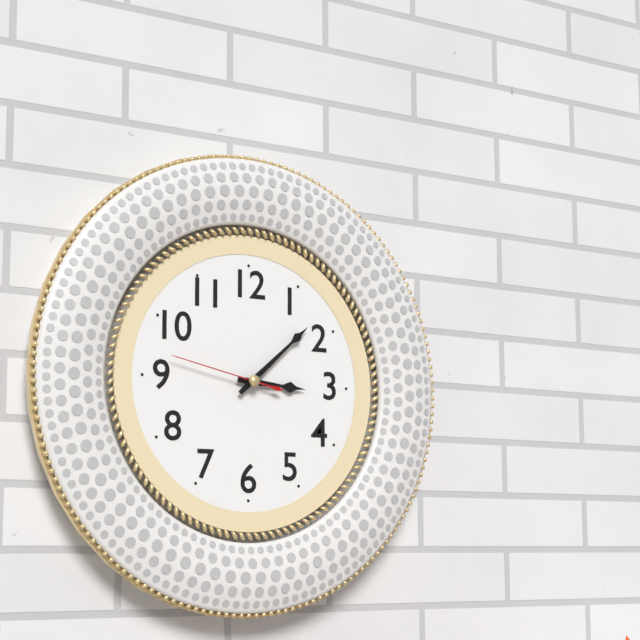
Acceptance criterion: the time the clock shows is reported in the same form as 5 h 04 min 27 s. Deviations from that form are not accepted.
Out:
3 h 08 min 47 s
